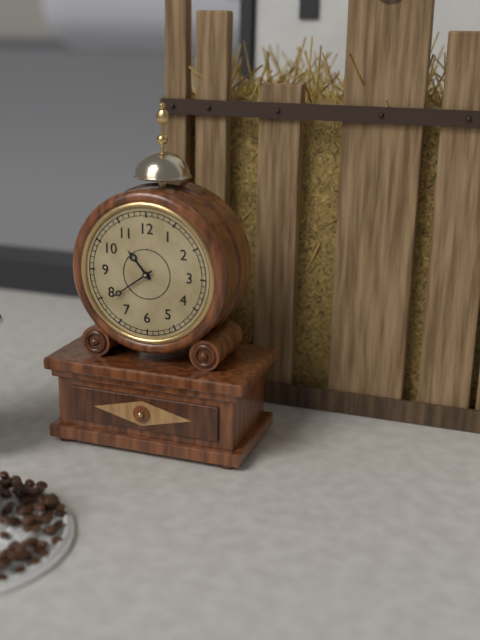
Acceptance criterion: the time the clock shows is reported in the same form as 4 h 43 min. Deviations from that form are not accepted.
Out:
10 h 39 min
